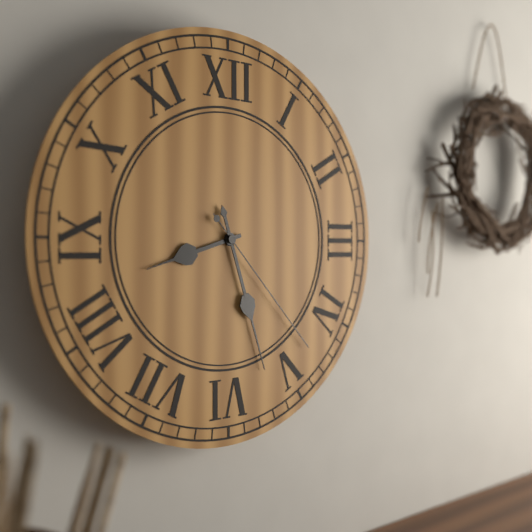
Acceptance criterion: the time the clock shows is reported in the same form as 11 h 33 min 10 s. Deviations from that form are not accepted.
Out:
8 h 27 min 23 s
